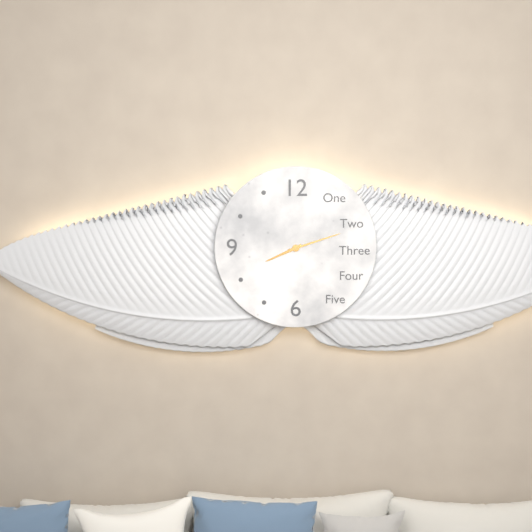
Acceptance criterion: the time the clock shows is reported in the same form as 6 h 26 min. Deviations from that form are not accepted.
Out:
8 h 12 min
